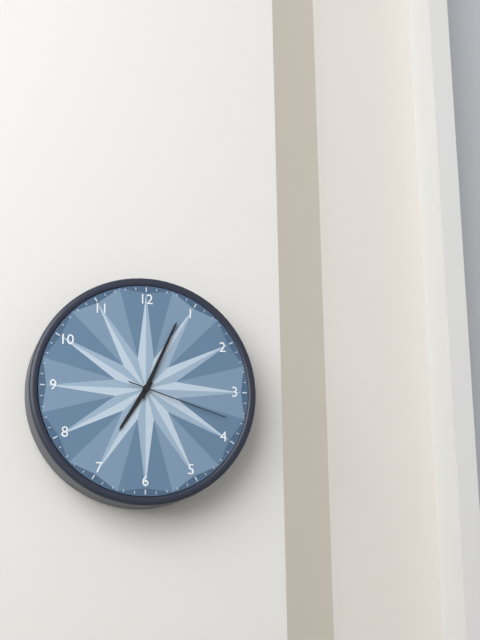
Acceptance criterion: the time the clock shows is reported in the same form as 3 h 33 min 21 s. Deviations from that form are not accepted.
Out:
7 h 04 min 18 s
